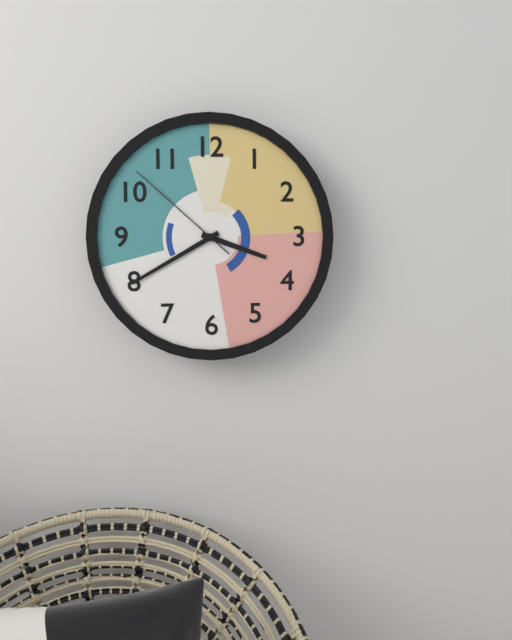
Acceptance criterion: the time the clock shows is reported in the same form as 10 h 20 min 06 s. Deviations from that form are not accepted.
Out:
3 h 40 min 52 s
